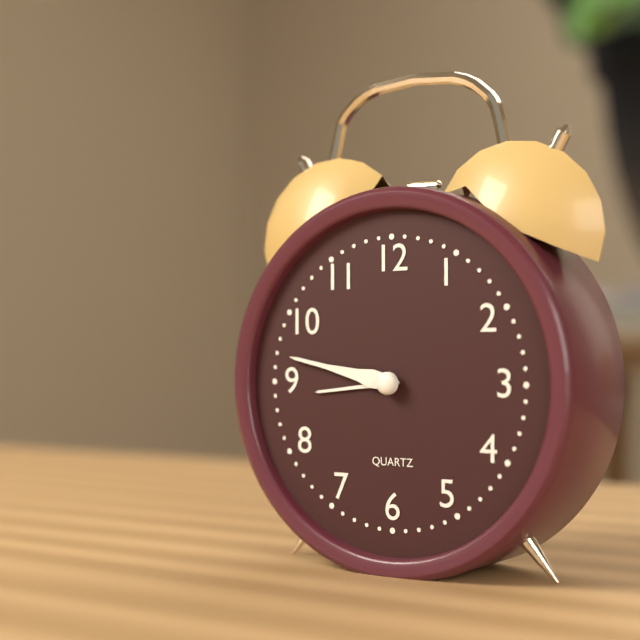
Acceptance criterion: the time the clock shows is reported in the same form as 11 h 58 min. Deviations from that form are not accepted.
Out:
8 h 47 min
